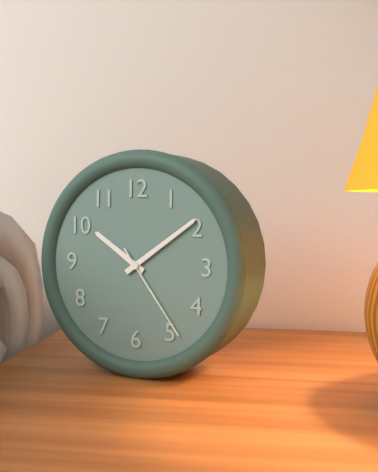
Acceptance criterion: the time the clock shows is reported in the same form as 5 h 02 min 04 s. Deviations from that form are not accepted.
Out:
10 h 09 min 24 s
